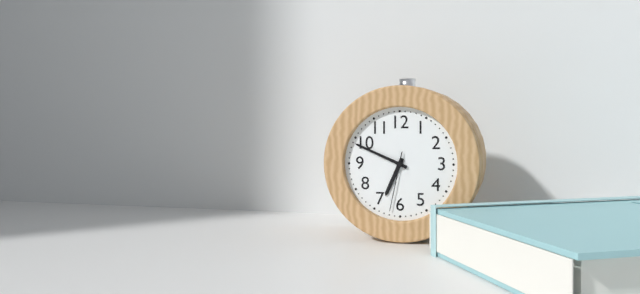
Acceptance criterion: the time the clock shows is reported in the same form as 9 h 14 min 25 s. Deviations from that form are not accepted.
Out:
6 h 49 min 32 s
